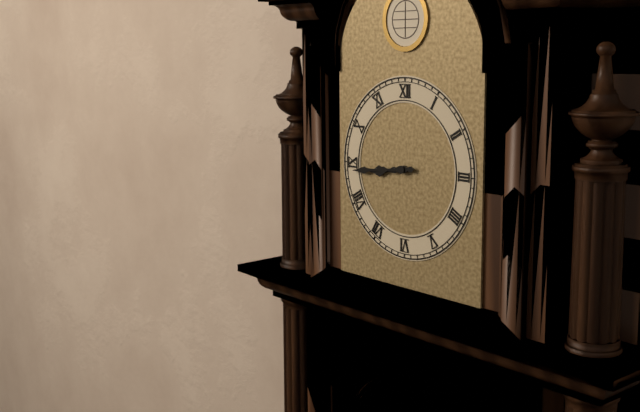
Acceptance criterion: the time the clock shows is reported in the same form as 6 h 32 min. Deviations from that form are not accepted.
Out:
8 h 44 min
